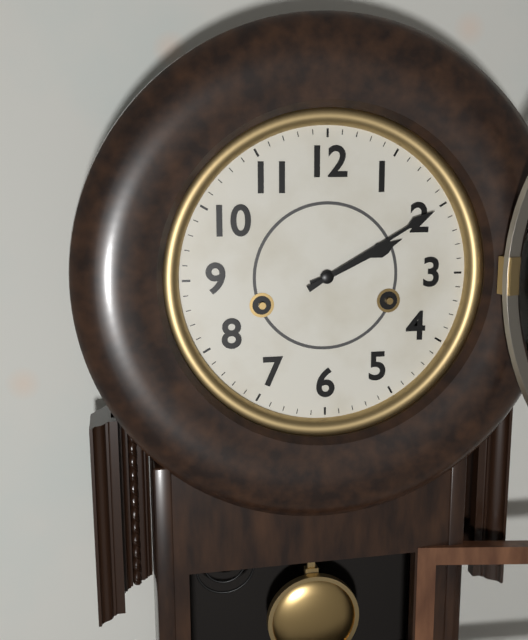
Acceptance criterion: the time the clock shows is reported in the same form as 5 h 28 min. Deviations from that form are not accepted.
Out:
2 h 10 min
